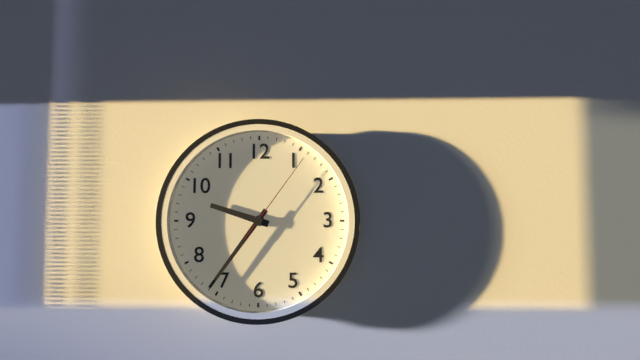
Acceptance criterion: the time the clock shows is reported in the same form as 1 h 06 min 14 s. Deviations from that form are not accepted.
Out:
9 h 36 min 06 s
